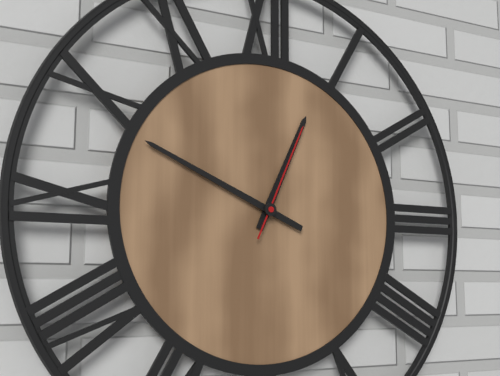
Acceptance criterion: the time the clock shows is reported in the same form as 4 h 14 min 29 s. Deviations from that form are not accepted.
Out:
12 h 49 min 04 s
